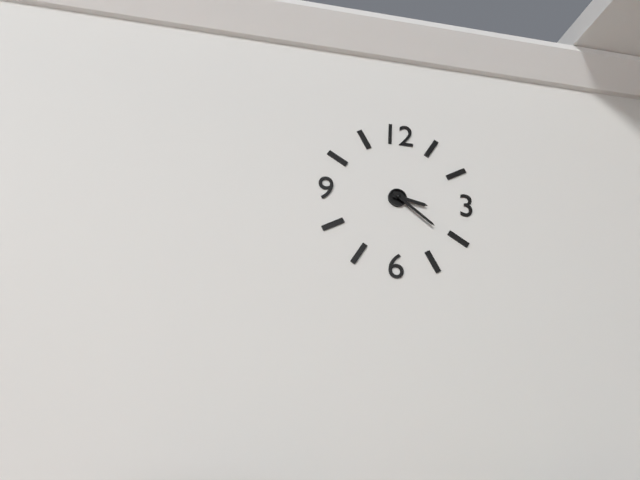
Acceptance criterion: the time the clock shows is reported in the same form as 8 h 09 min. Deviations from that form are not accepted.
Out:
3 h 21 min
